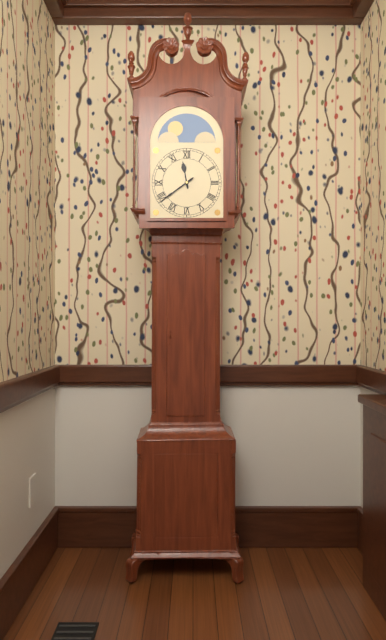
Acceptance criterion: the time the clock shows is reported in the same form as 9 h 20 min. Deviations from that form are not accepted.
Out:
11 h 39 min
